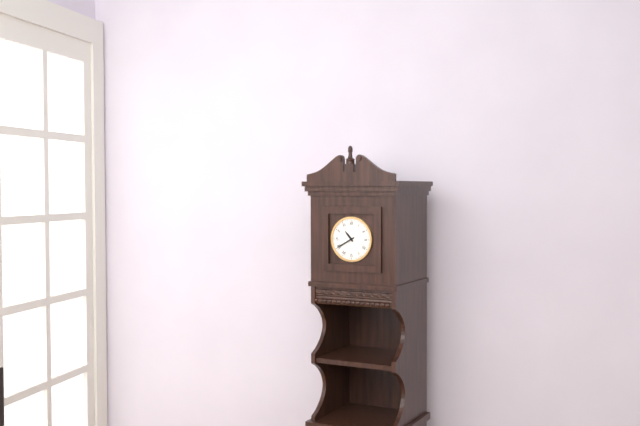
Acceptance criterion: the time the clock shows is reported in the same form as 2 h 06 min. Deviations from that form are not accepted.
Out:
10 h 40 min
